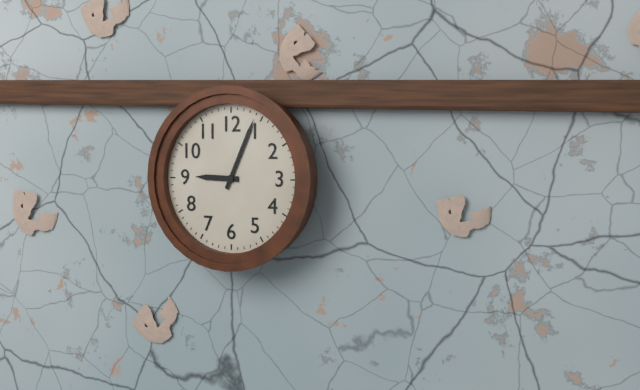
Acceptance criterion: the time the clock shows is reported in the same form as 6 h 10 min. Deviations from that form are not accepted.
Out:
9 h 04 min
